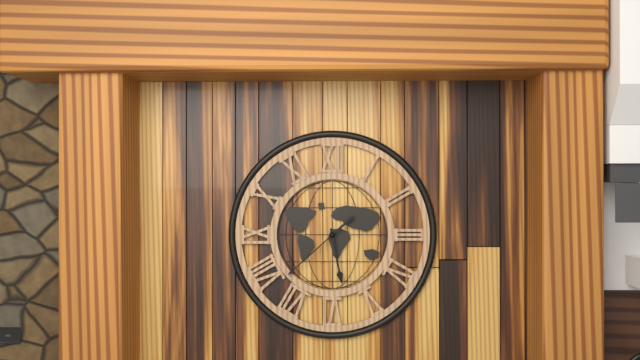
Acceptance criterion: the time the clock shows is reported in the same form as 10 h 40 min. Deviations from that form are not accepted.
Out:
5 h 38 min
